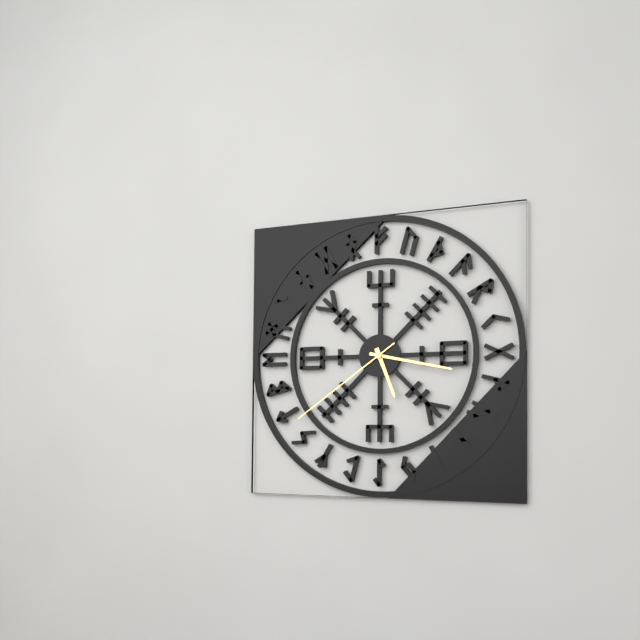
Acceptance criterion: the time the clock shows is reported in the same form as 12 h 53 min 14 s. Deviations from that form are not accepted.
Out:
5 h 17 min 39 s
